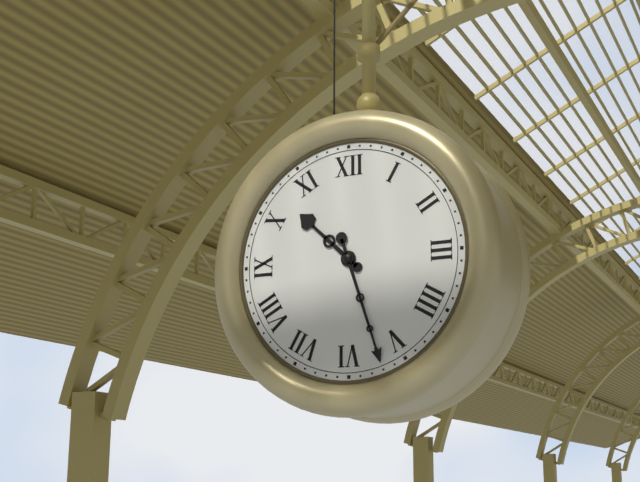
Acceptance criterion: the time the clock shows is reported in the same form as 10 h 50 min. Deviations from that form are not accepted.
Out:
10 h 27 min
